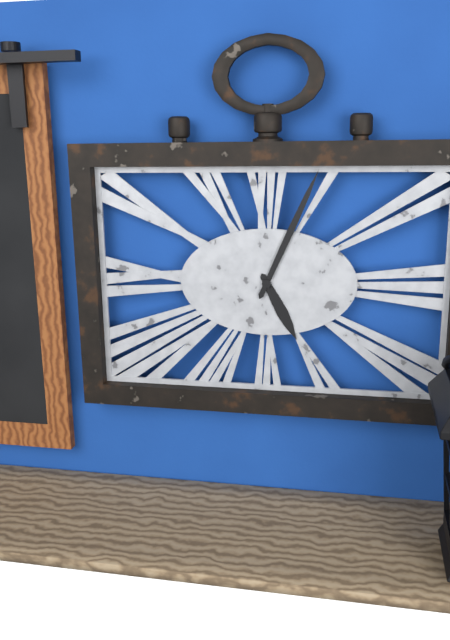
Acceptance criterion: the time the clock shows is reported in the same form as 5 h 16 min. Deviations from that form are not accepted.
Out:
5 h 04 min
